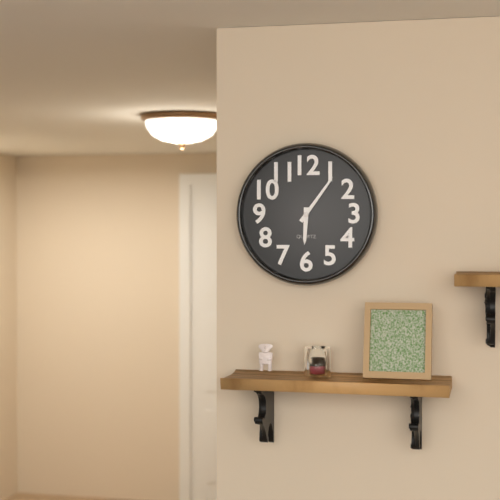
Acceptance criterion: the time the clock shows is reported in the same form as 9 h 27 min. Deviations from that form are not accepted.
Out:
6 h 06 min
